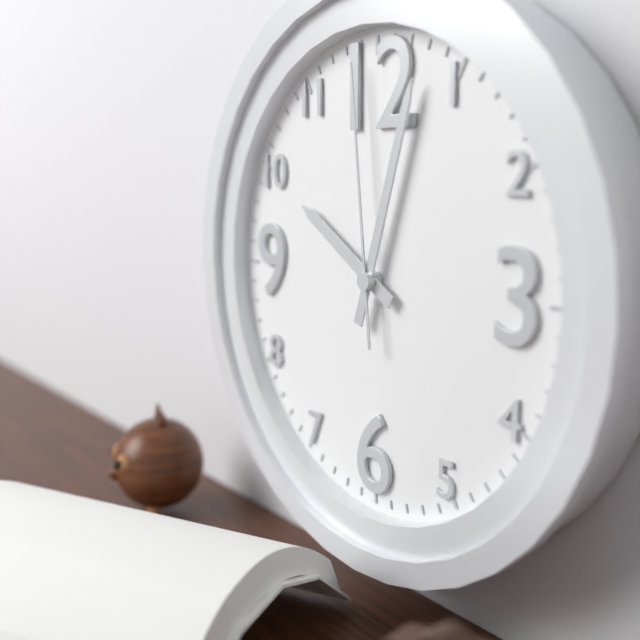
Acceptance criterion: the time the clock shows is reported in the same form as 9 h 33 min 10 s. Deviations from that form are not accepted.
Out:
10 h 03 min 59 s
